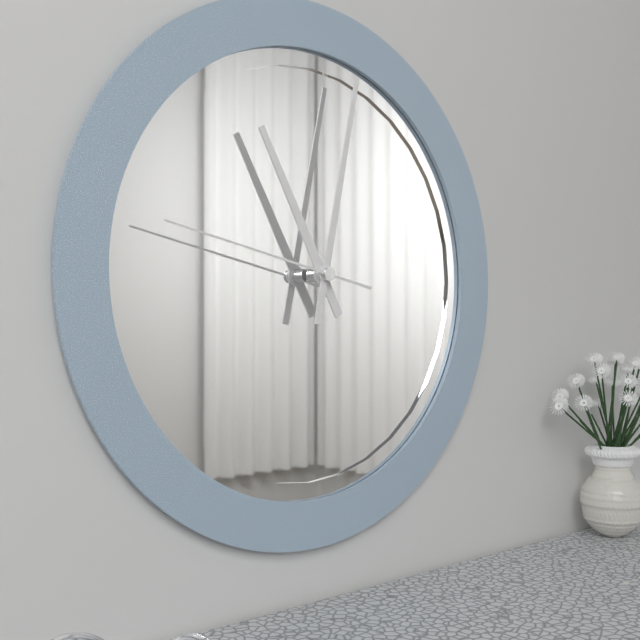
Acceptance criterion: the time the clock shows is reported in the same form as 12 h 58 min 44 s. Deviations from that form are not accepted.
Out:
11 h 02 min 47 s
